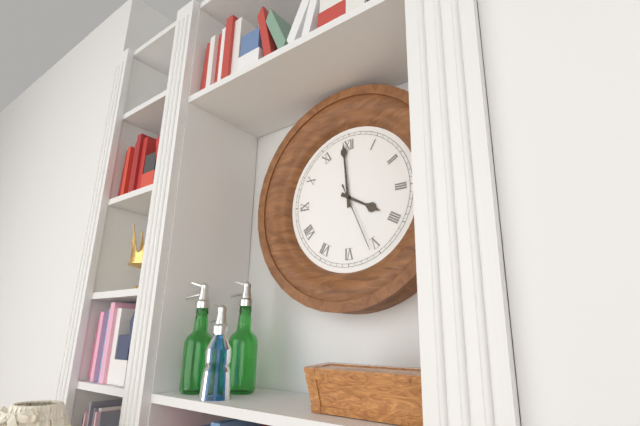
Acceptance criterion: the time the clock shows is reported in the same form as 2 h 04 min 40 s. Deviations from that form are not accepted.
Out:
3 h 59 min 26 s
